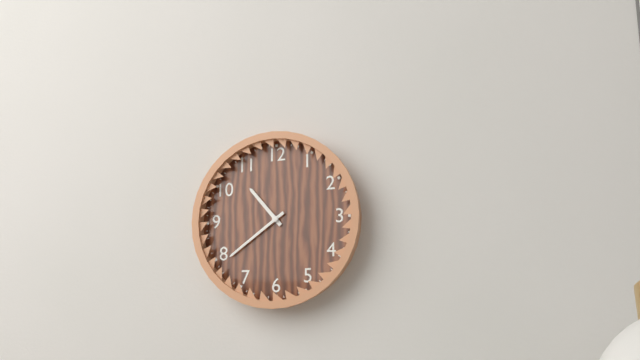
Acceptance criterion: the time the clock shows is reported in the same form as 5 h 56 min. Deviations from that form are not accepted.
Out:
10 h 39 min
